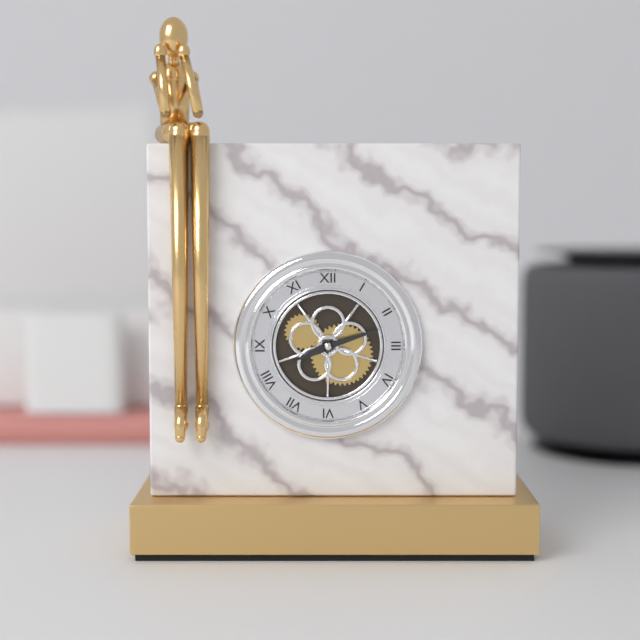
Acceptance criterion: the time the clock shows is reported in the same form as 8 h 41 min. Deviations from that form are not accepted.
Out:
8 h 12 min
